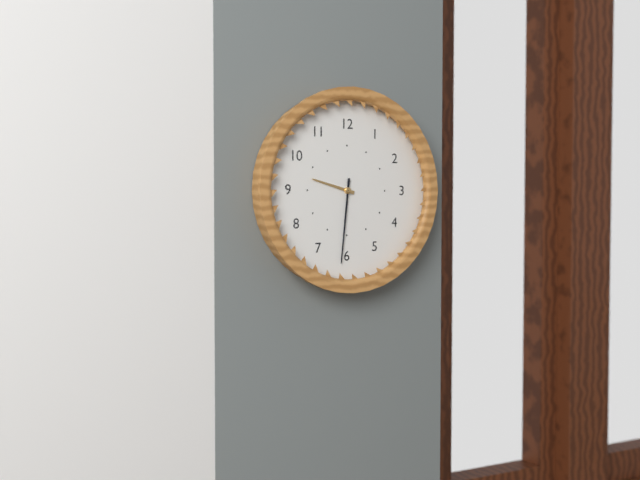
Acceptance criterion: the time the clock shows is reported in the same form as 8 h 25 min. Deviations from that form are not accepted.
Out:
9 h 31 min
